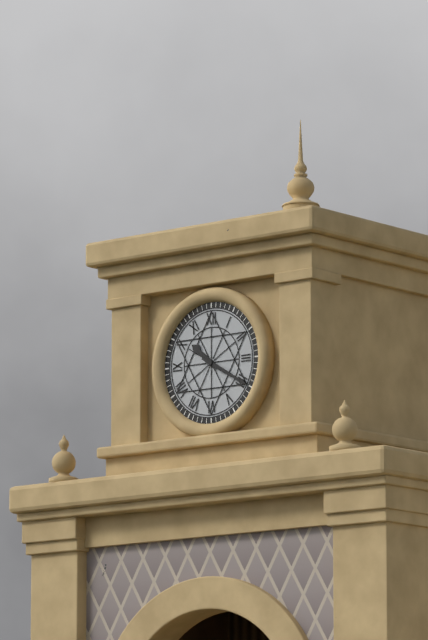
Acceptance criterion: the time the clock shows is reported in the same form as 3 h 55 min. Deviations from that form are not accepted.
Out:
10 h 20 min
